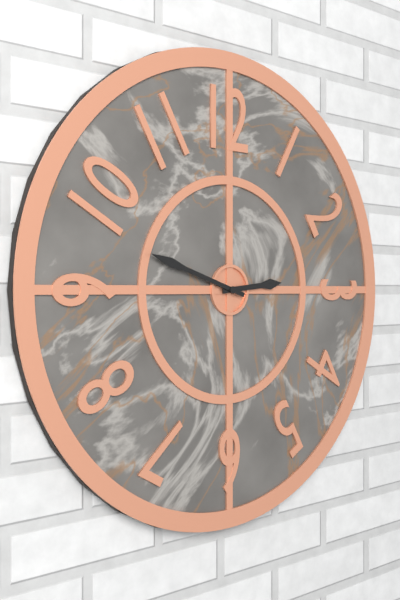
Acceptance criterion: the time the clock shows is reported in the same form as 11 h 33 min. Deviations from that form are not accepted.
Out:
2 h 48 min
